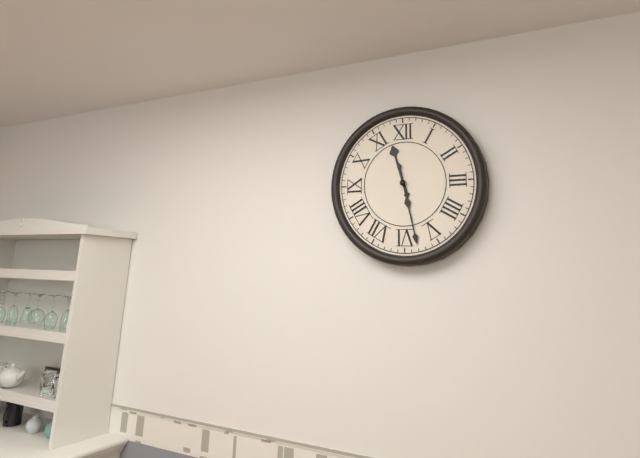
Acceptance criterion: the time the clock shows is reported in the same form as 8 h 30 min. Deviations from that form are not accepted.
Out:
11 h 28 min
